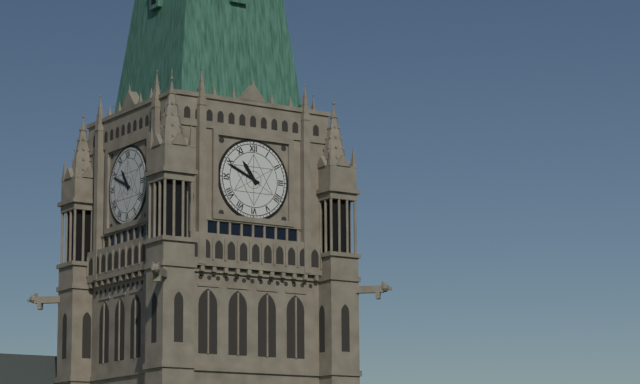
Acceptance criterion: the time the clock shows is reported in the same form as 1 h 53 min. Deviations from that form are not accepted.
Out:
10 h 49 min
